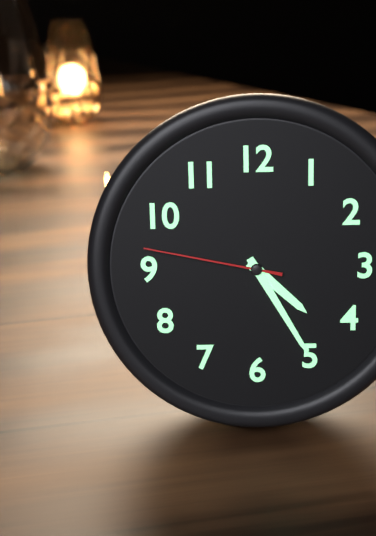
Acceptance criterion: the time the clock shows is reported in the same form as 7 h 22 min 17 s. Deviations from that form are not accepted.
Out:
4 h 25 min 47 s
